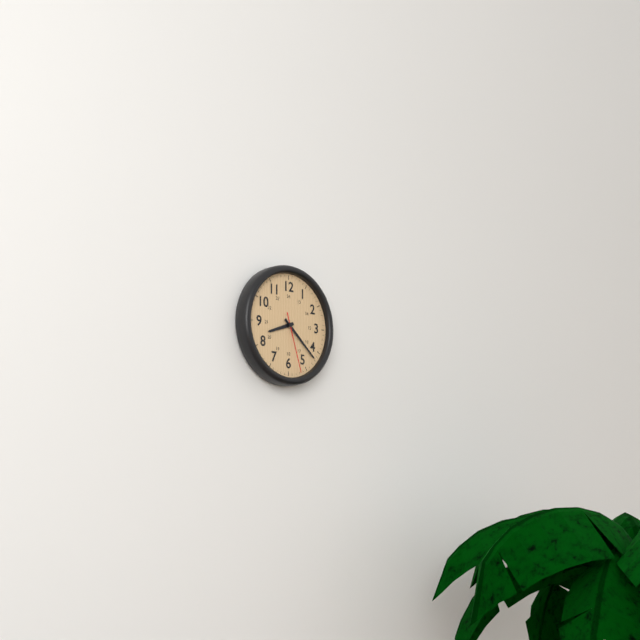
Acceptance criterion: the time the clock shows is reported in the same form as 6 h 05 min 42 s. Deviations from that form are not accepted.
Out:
8 h 22 min 27 s
